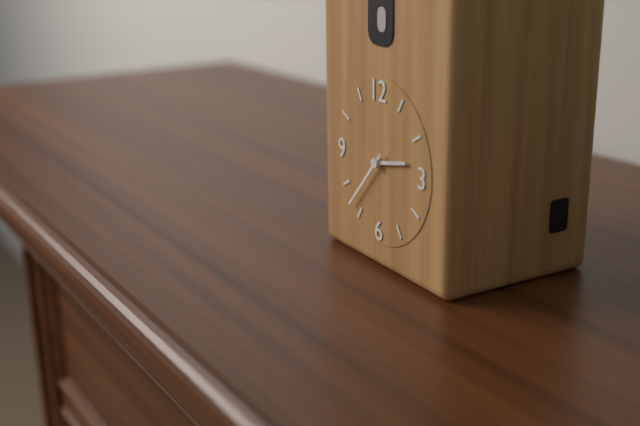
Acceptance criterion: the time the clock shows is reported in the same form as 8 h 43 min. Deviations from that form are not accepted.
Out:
2 h 37 min
